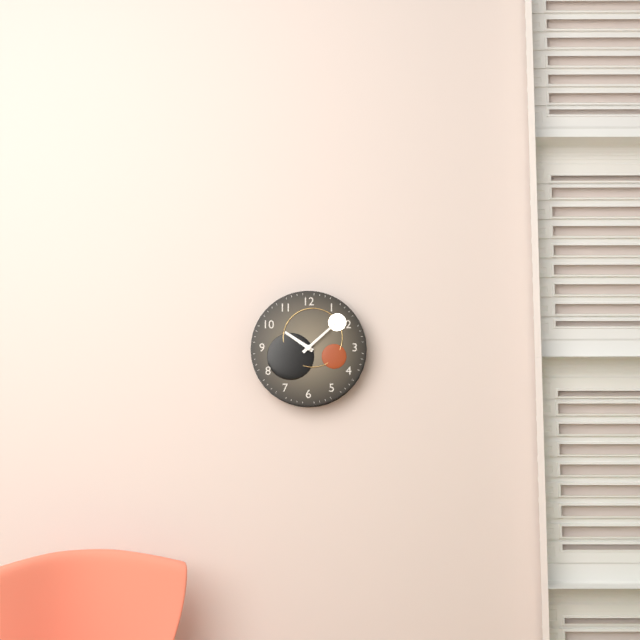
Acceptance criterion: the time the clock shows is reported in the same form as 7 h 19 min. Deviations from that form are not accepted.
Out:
10 h 08 min
